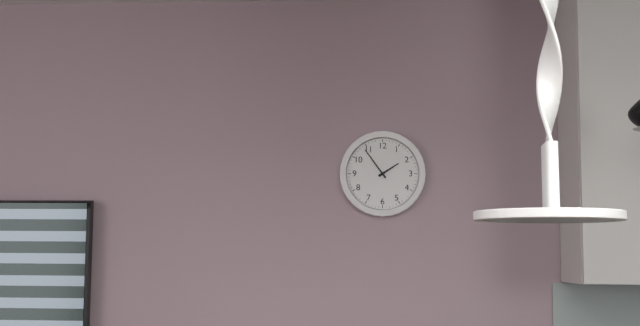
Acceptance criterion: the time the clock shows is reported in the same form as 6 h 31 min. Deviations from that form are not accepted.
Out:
1 h 54 min
